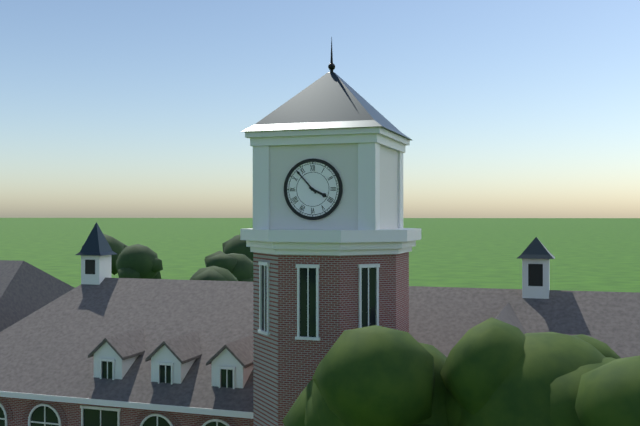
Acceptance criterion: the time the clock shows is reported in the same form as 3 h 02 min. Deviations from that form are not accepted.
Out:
3 h 53 min
